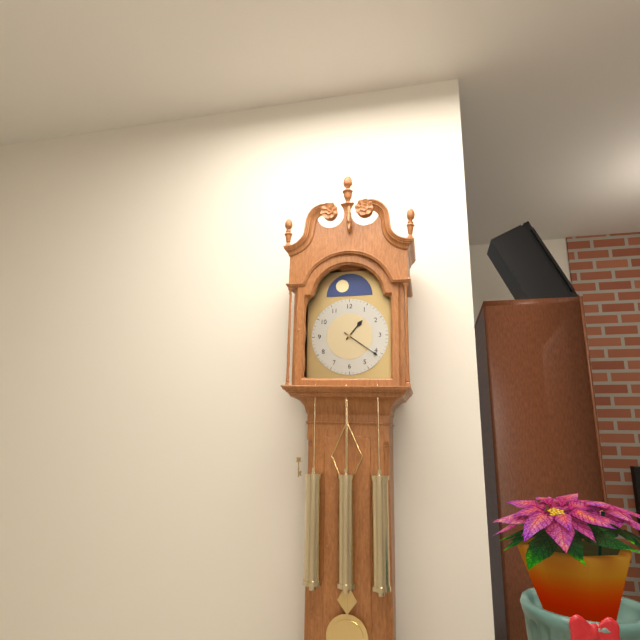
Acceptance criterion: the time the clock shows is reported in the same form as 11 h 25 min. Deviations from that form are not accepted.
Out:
1 h 21 min
